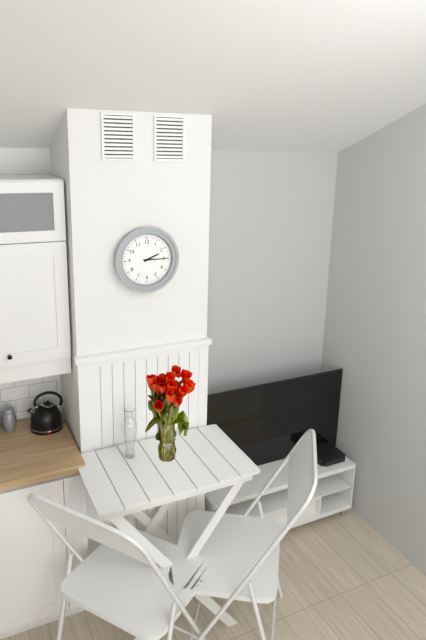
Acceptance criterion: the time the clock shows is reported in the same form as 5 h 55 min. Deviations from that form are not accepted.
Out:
2 h 15 min
